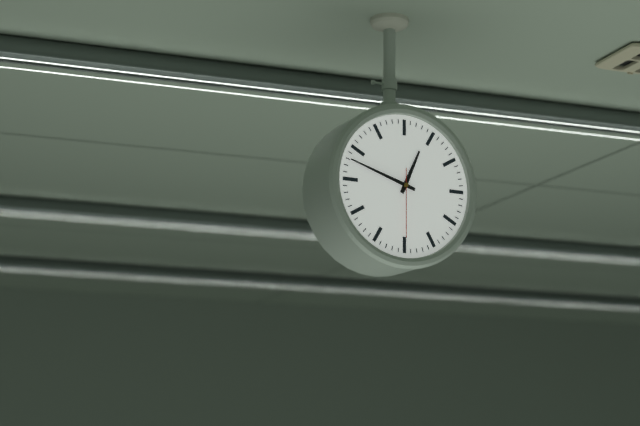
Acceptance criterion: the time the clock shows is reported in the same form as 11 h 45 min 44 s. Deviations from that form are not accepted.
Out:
12 h 48 min 30 s
